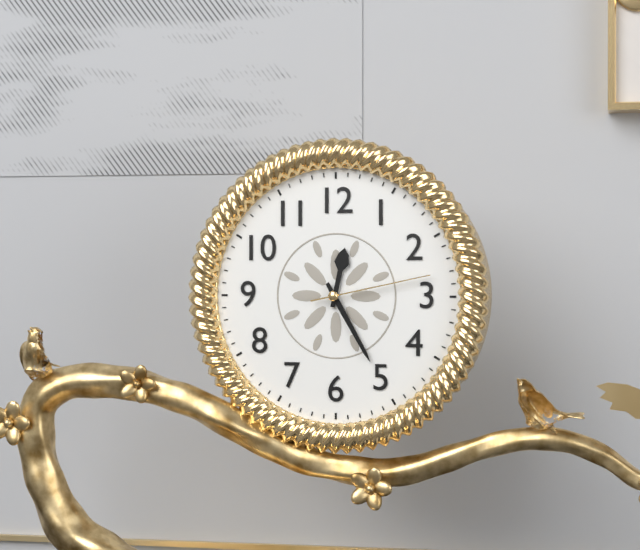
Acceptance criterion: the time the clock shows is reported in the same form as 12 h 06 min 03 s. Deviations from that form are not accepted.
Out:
12 h 25 min 13 s
